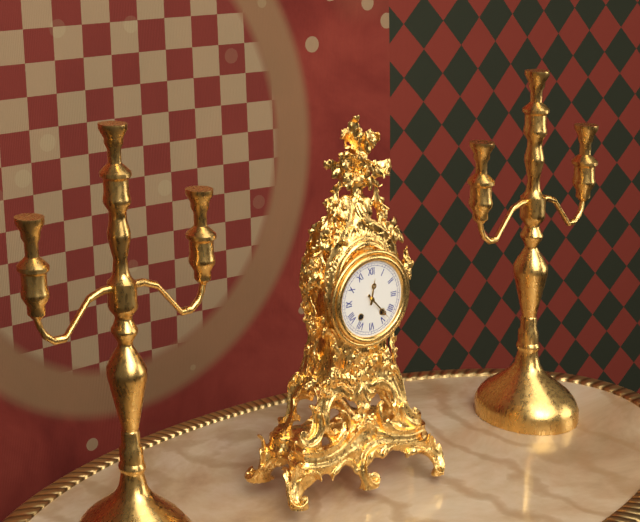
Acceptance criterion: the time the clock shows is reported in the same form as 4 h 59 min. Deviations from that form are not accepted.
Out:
12 h 23 min
